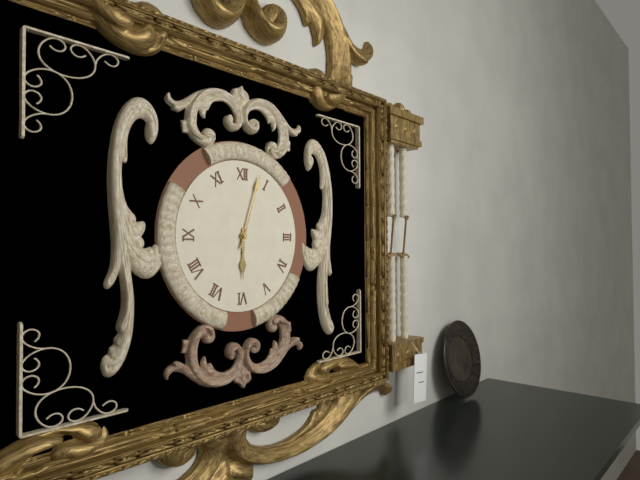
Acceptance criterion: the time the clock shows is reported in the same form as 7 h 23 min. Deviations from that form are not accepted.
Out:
6 h 03 min
